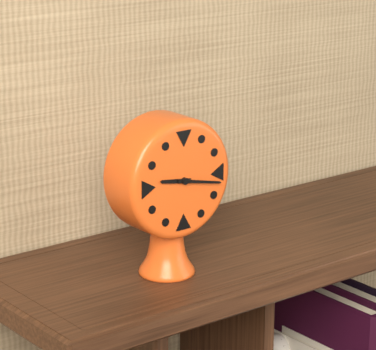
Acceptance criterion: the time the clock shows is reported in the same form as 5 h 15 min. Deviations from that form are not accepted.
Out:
9 h 17 min
